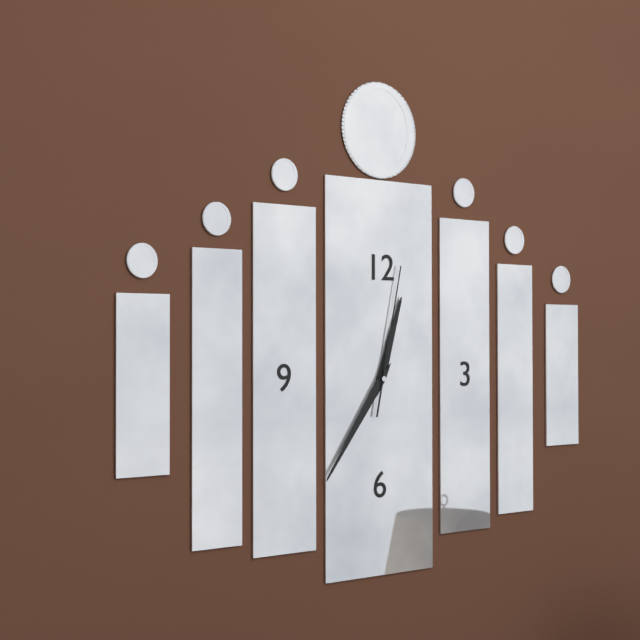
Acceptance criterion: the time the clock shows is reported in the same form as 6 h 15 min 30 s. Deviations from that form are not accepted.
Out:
12 h 36 min 02 s
